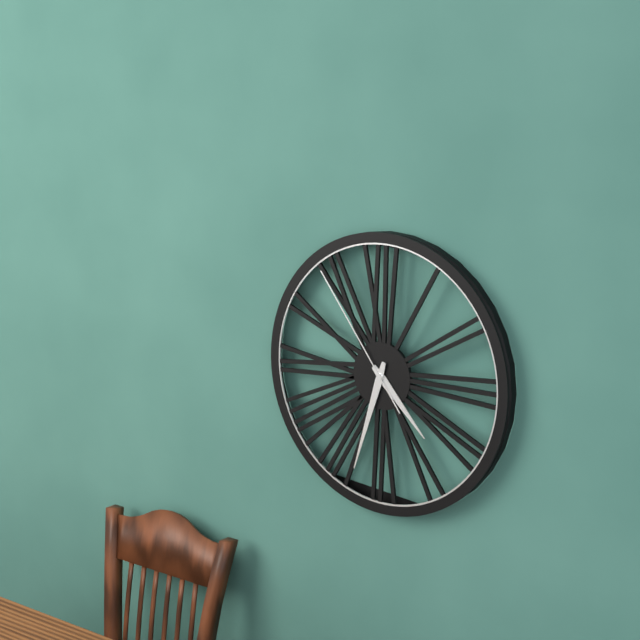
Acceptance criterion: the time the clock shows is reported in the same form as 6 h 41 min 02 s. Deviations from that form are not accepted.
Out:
4 h 33 min 54 s
